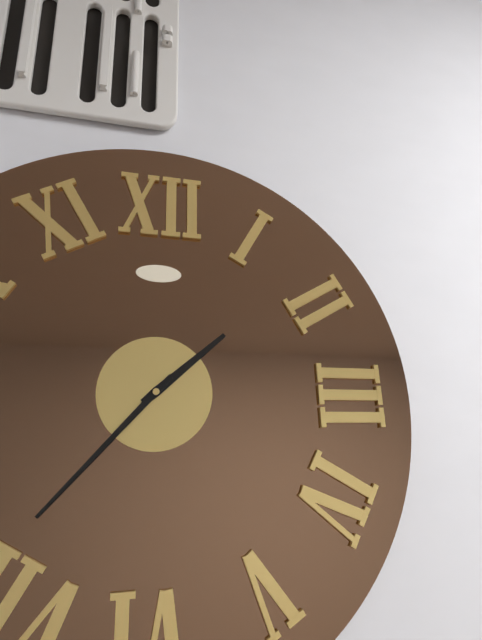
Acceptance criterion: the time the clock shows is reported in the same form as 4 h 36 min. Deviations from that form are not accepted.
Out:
1 h 37 min
